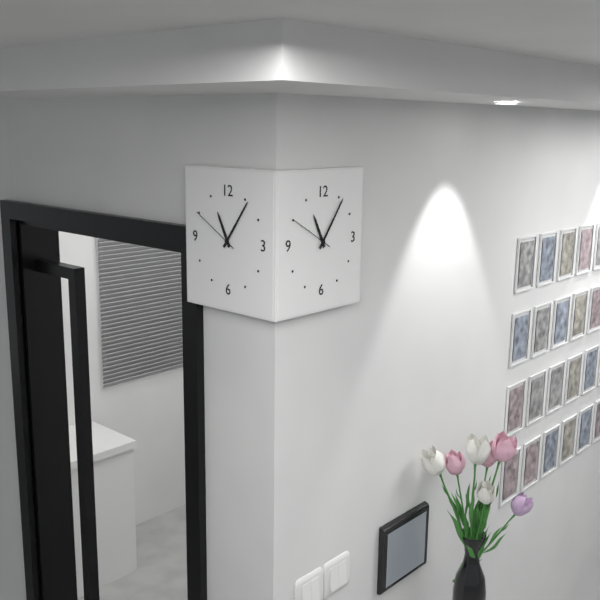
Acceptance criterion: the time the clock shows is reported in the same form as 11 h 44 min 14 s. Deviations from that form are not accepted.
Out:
11 h 06 min 50 s
